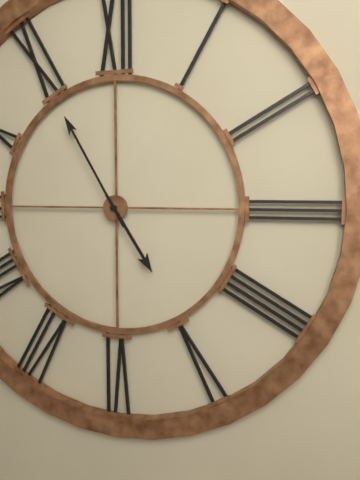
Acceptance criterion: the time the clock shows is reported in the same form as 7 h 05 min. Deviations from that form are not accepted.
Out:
4 h 55 min
